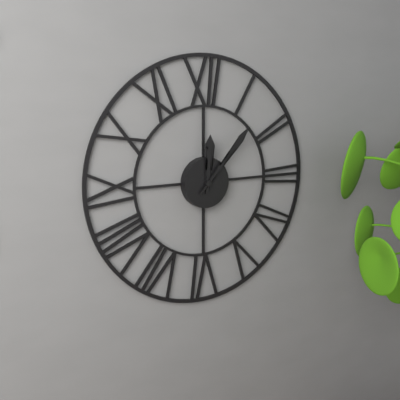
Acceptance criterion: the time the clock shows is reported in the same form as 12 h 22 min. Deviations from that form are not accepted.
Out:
12 h 07 min
